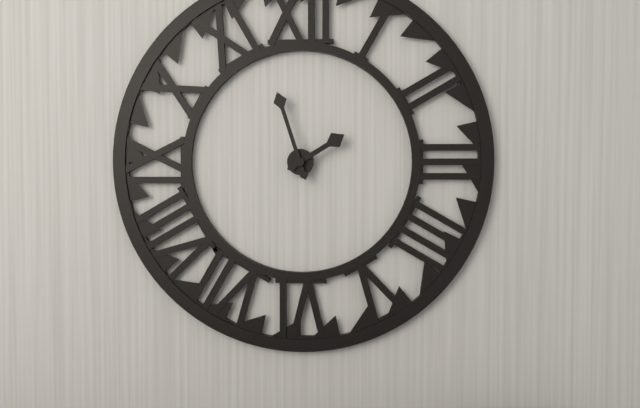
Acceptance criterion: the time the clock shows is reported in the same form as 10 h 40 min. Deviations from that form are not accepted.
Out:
1 h 57 min
